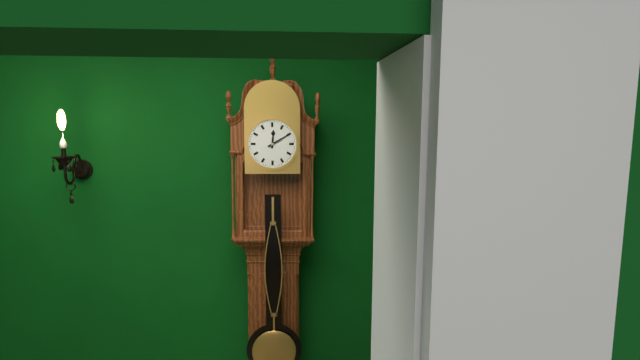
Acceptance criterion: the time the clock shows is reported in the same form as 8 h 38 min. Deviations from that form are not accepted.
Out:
12 h 10 min
